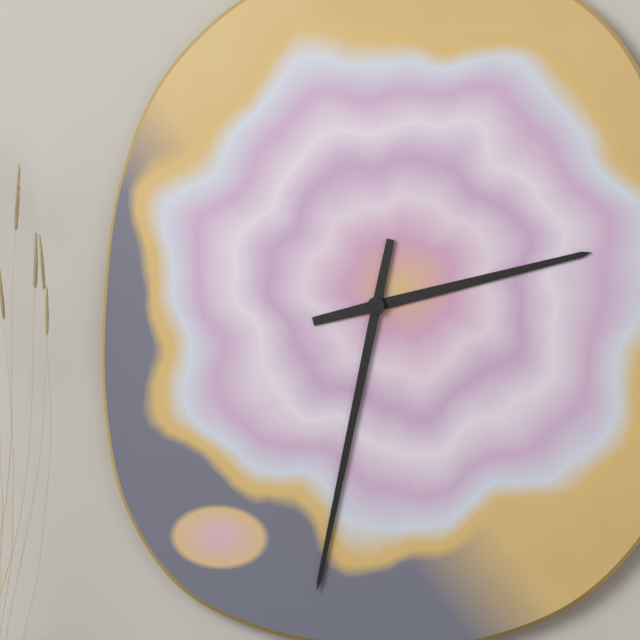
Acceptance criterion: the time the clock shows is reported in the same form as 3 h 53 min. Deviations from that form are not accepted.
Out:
2 h 32 min
